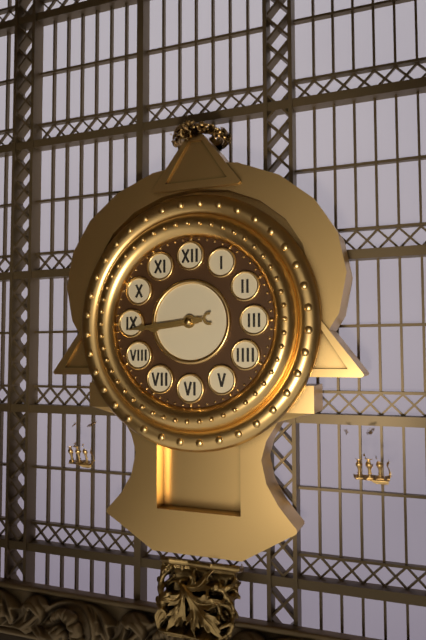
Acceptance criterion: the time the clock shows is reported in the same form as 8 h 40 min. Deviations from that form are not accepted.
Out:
8 h 44 min
